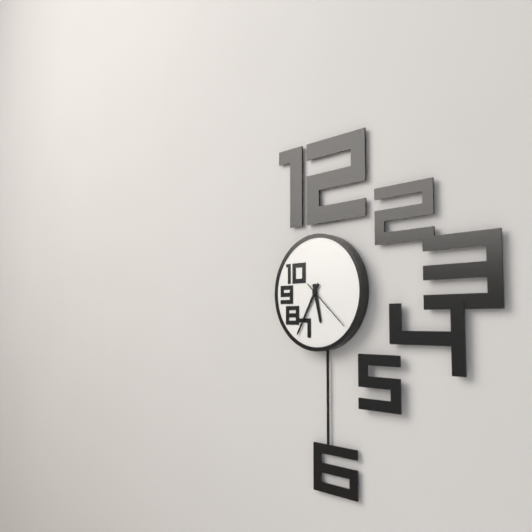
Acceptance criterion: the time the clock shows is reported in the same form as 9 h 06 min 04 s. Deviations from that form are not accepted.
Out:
5 h 35 min 22 s
